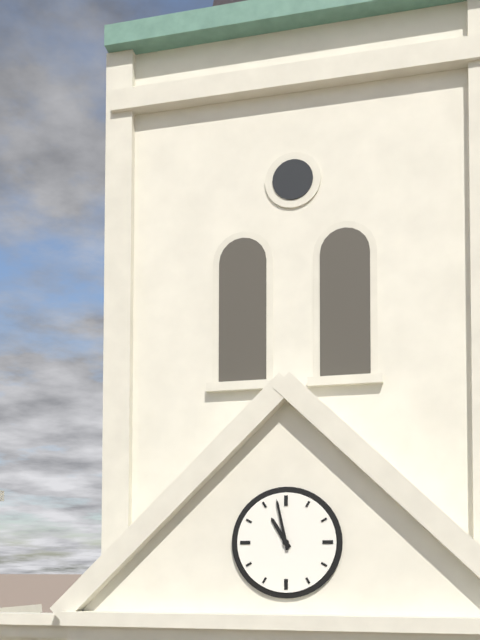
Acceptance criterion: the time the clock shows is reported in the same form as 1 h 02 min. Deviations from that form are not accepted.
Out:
10 h 58 min
